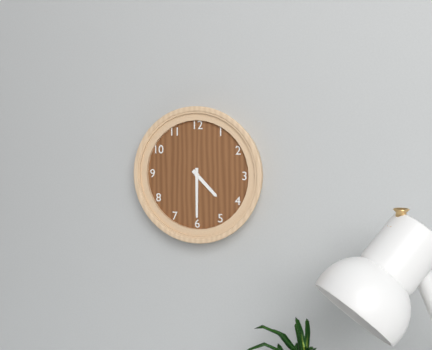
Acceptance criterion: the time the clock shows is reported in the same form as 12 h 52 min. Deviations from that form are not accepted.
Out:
4 h 30 min
